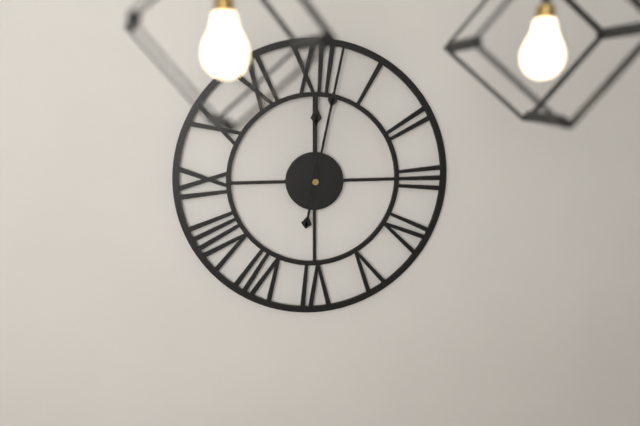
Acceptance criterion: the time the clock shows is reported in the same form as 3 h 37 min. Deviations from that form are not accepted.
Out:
12 h 02 min
